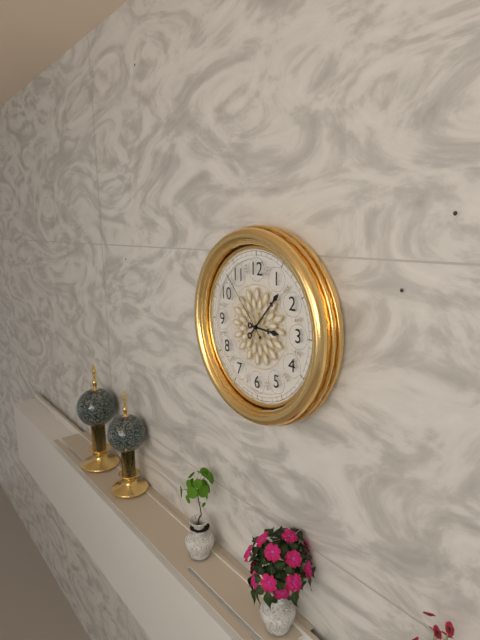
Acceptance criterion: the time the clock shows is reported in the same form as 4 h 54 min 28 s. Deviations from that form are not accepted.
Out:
3 h 07 min 53 s
